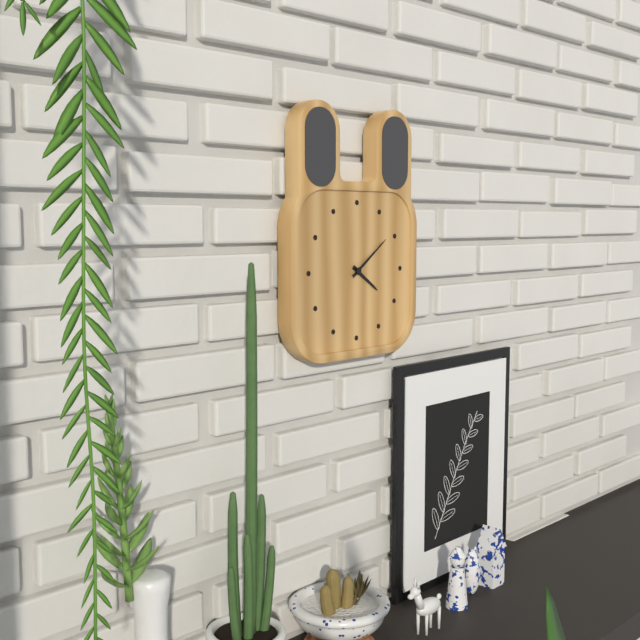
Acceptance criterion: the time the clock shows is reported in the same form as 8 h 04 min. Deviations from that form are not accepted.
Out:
4 h 09 min
